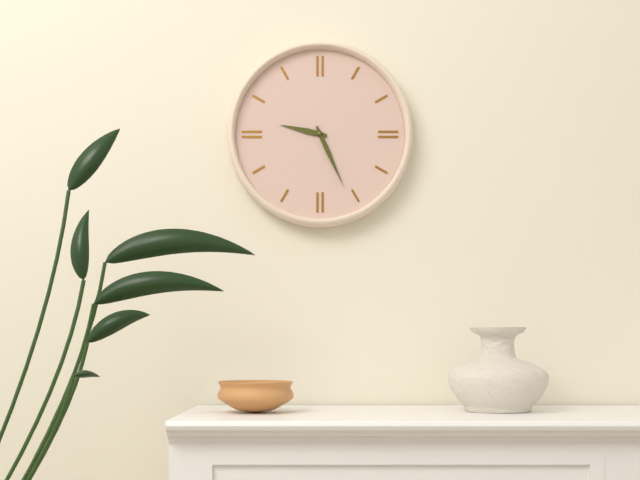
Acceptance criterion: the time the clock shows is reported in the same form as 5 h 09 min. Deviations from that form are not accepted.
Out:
9 h 26 min
